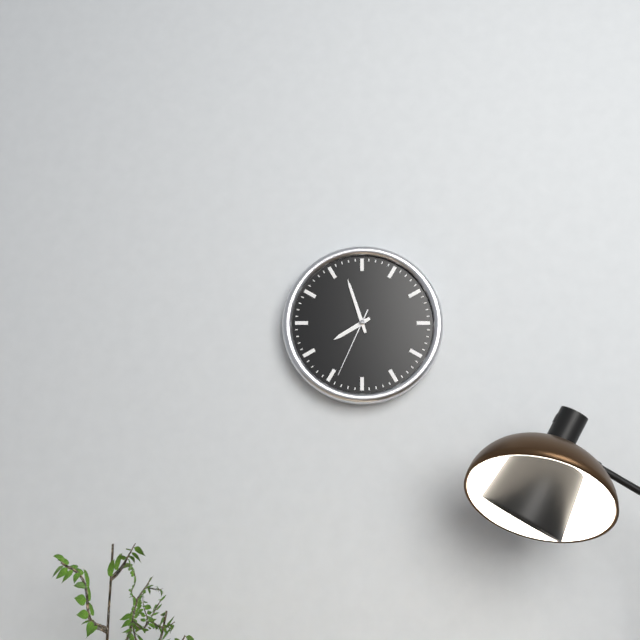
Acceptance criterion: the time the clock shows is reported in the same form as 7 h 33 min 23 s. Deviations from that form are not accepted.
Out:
7 h 57 min 34 s
